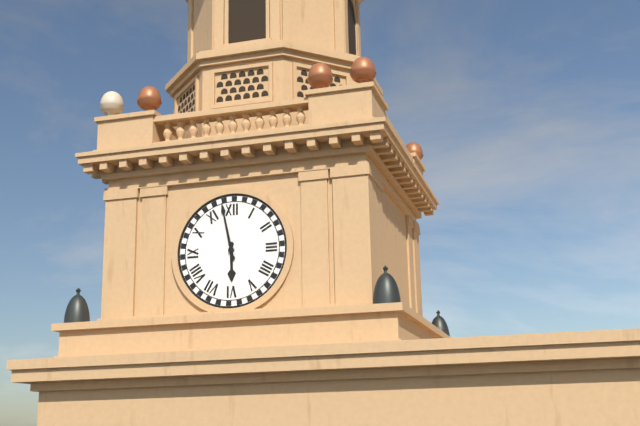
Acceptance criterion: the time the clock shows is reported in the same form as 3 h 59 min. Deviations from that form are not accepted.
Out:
5 h 58 min
